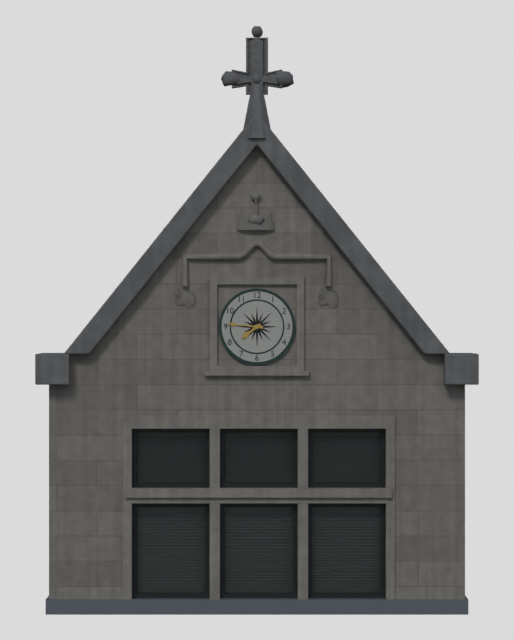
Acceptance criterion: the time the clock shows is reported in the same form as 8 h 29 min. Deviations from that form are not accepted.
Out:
7 h 46 min
